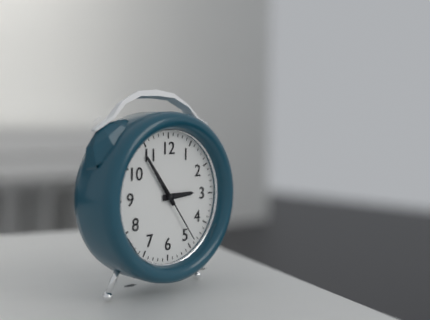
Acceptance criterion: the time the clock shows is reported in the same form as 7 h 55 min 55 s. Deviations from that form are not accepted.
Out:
2 h 54 min 24 s
